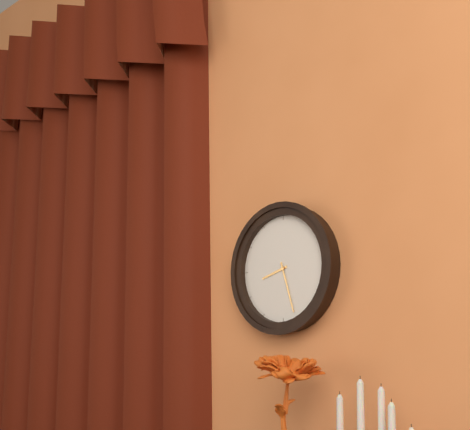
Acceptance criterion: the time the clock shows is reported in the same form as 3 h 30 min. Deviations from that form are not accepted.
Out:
8 h 27 min
